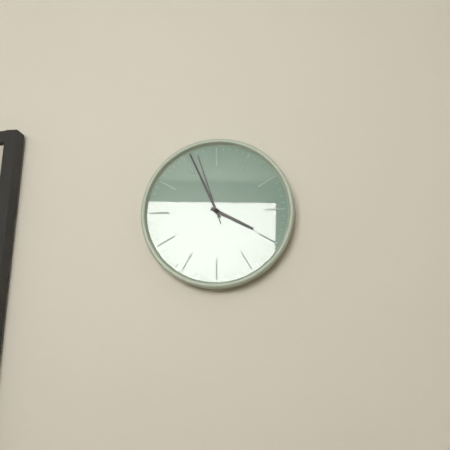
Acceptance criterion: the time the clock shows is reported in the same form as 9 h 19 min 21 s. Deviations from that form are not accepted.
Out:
3 h 56 min 57 s
